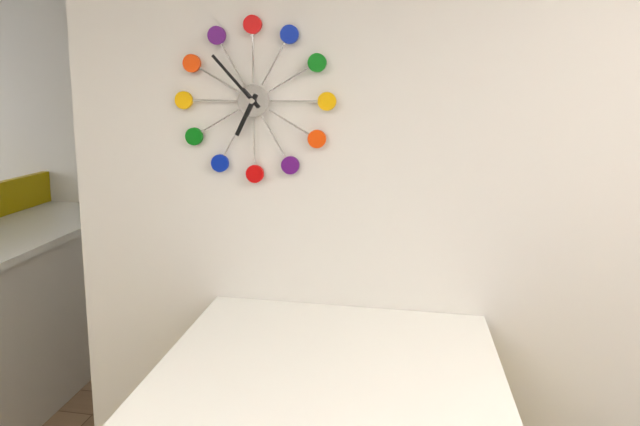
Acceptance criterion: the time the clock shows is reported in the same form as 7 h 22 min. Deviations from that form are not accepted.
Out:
6 h 53 min
